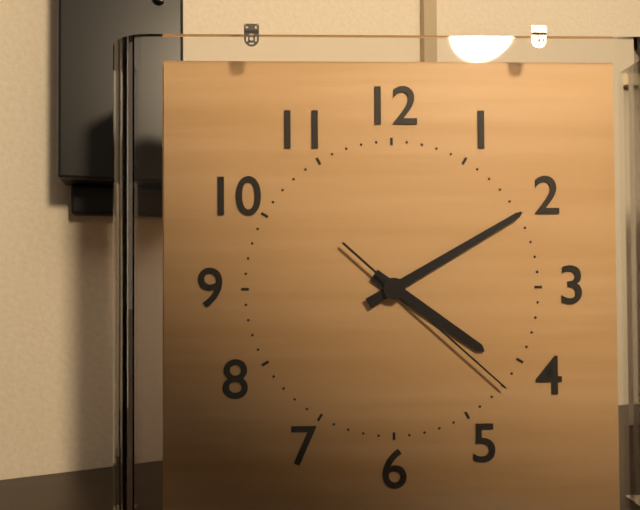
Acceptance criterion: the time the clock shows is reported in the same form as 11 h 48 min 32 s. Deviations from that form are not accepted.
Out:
4 h 10 min 22 s
